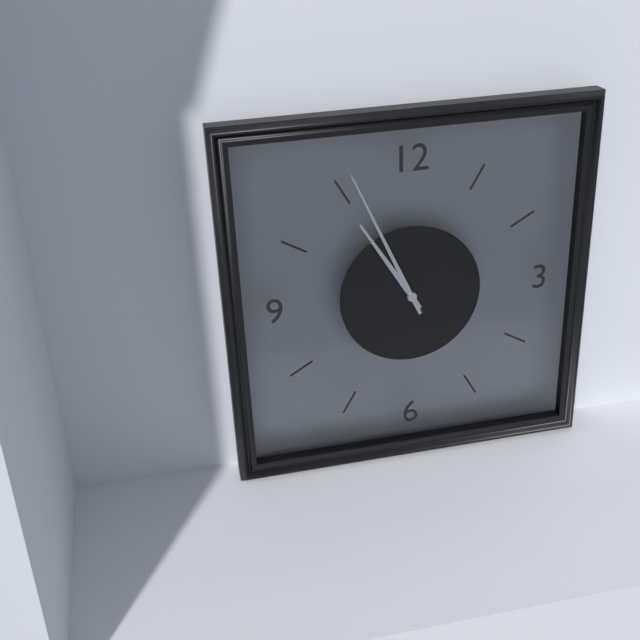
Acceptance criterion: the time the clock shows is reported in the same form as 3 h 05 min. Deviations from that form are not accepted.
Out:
10 h 56 min
